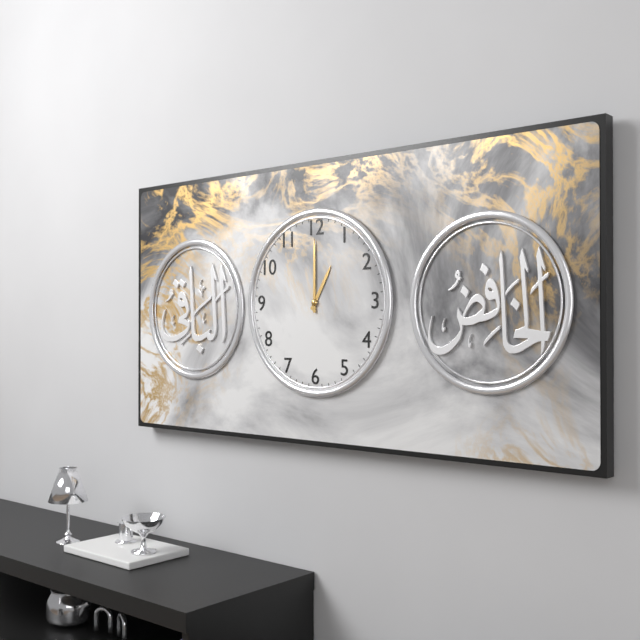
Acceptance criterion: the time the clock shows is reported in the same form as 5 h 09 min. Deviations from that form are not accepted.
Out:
1 h 00 min
